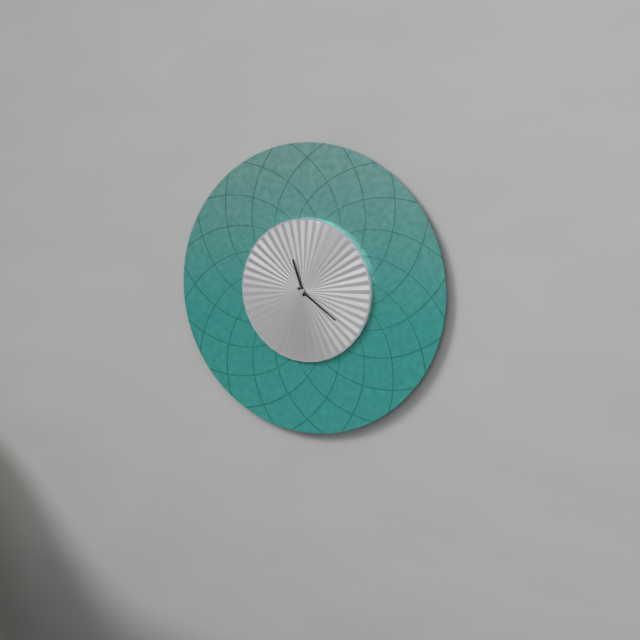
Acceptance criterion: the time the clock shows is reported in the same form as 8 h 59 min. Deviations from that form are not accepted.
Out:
11 h 21 min
